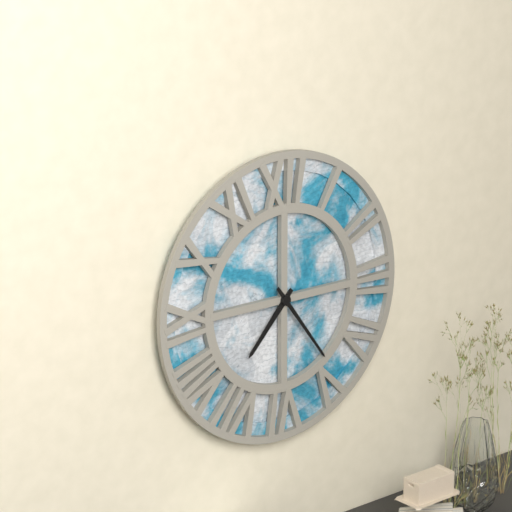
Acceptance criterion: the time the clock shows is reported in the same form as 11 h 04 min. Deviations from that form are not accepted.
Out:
7 h 24 min
